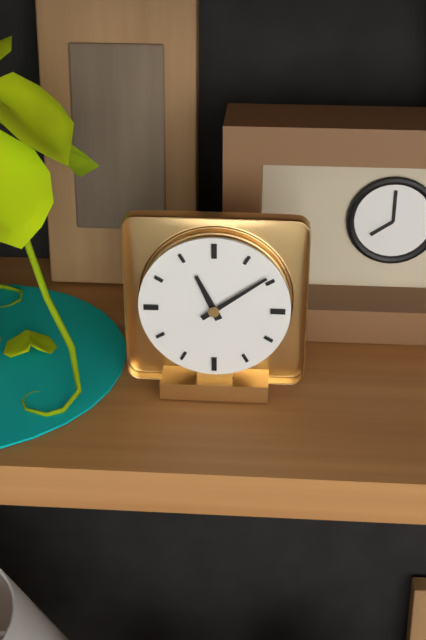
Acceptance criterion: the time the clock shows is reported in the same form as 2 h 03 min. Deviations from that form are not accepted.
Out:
11 h 09 min
